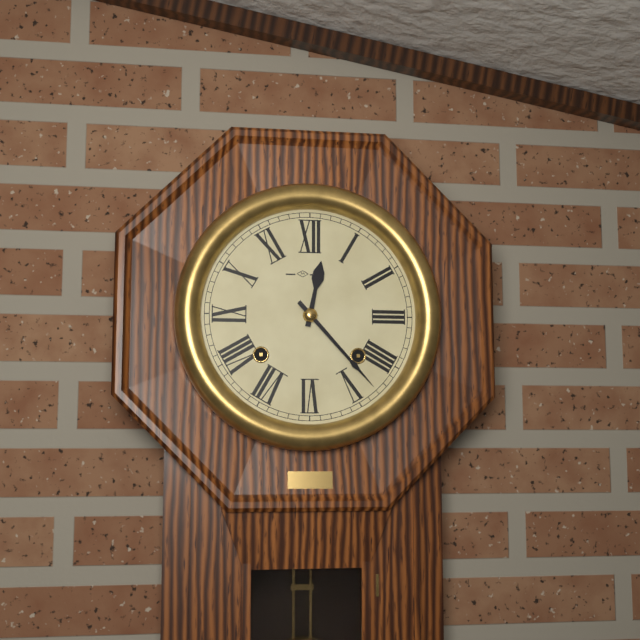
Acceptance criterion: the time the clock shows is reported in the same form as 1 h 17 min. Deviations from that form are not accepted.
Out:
12 h 23 min
